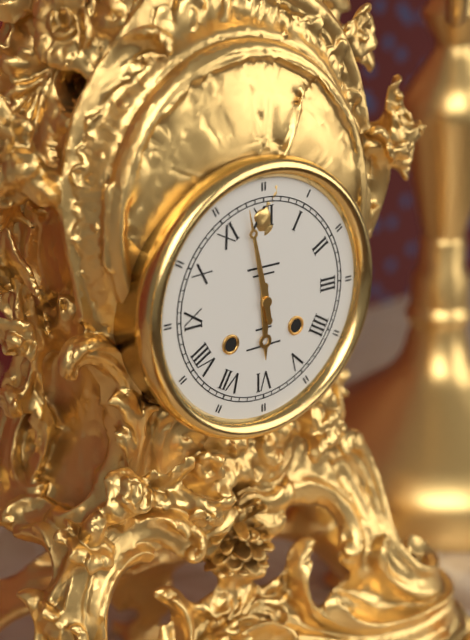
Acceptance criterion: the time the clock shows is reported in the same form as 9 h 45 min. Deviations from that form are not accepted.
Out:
5 h 58 min
